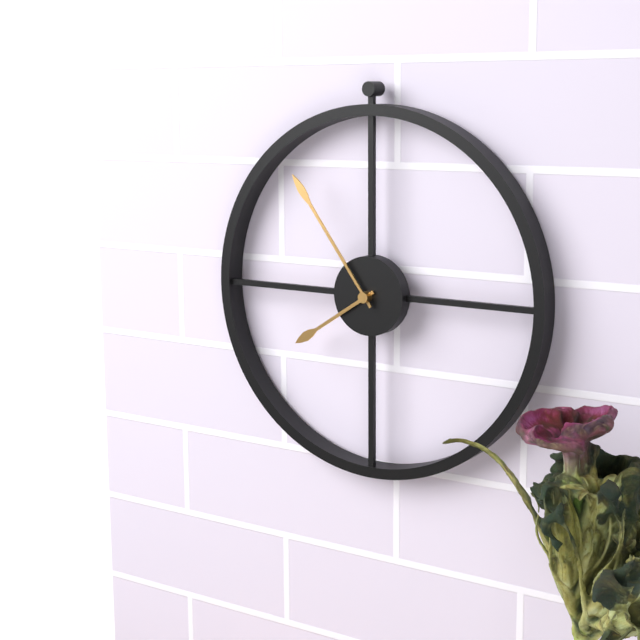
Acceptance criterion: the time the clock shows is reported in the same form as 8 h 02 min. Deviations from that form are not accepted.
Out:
7 h 54 min
